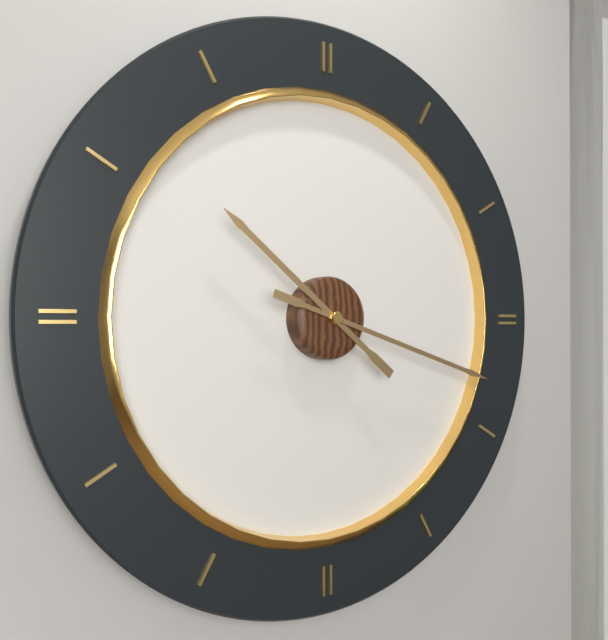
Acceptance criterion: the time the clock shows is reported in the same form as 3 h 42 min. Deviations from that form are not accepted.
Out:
10 h 18 min
